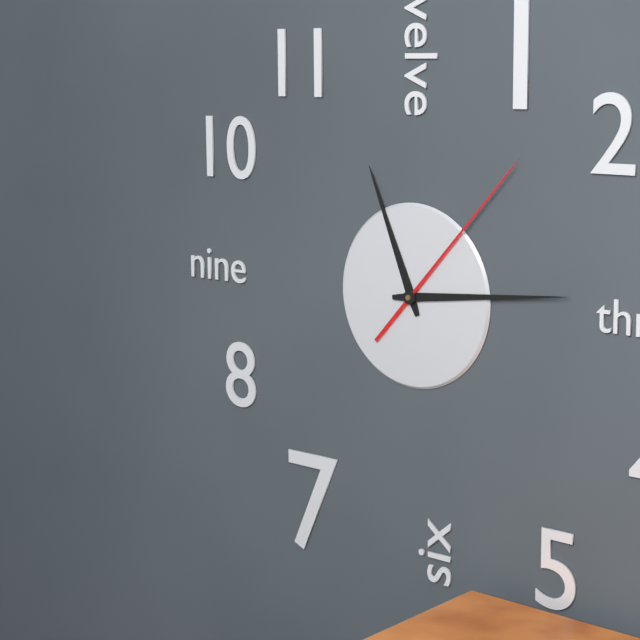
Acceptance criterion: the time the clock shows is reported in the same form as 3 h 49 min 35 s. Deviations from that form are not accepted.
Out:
11 h 14 min 07 s
